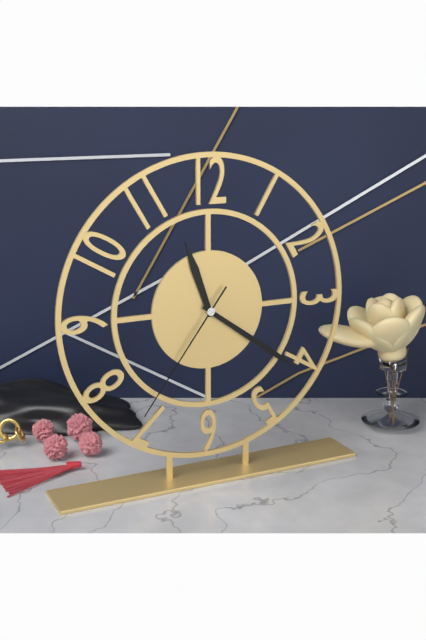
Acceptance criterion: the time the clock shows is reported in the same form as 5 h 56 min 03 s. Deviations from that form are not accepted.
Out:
11 h 21 min 36 s
